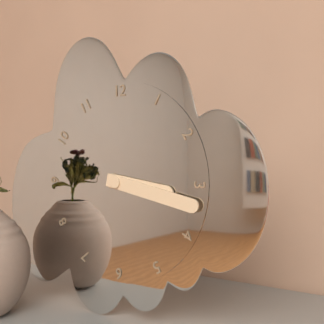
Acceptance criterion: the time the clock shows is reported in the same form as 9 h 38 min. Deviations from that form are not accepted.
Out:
3 h 17 min
